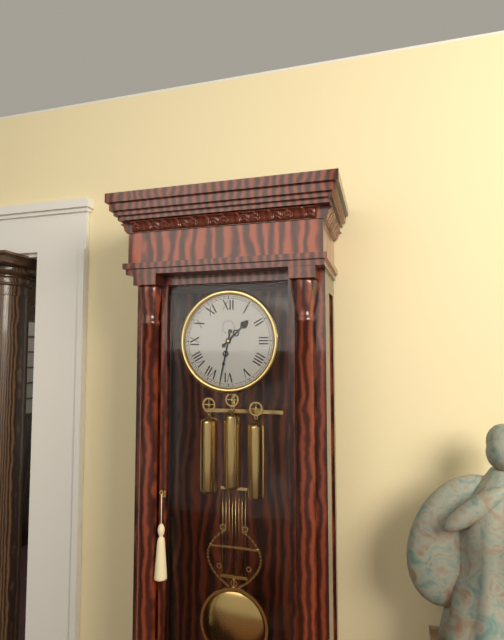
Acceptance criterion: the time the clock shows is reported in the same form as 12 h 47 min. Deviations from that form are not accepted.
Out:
1 h 32 min
